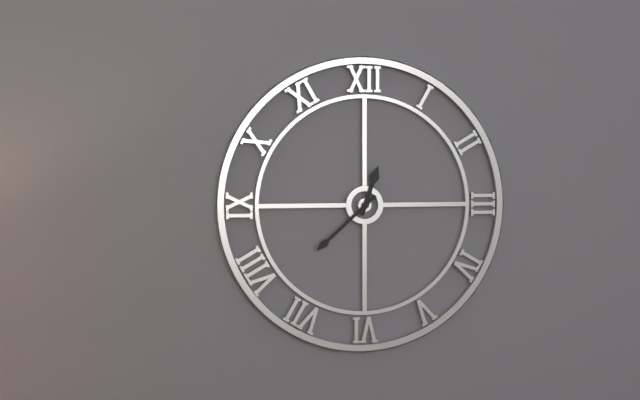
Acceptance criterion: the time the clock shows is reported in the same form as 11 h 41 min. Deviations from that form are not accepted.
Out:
12 h 38 min
